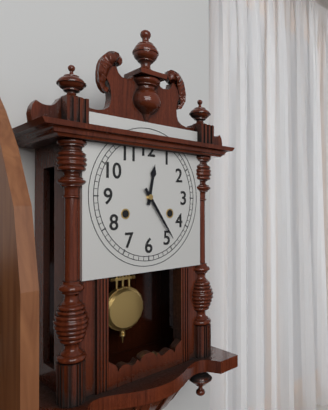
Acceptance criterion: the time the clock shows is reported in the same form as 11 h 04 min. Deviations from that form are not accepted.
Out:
12 h 24 min
